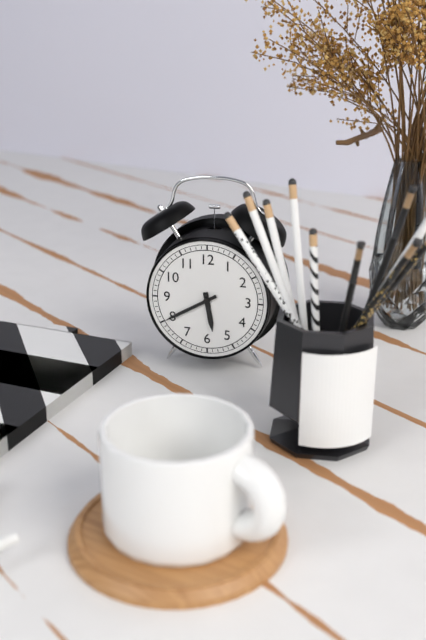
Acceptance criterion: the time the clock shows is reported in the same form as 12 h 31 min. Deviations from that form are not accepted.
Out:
5 h 40 min
